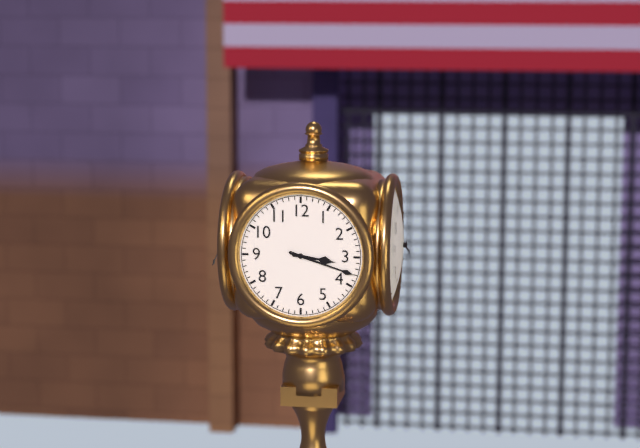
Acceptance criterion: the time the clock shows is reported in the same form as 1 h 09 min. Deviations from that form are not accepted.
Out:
3 h 18 min
